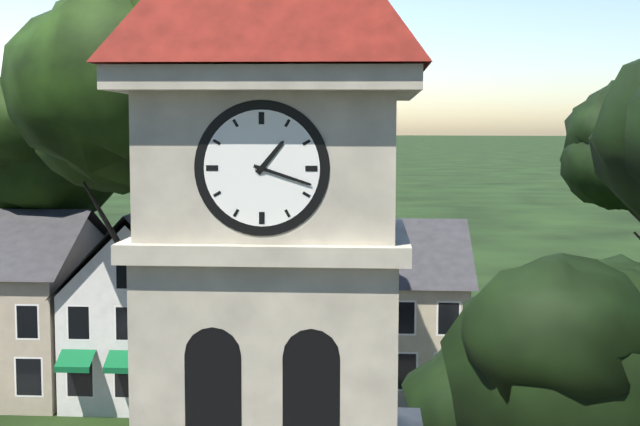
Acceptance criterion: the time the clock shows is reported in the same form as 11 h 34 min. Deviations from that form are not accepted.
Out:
1 h 18 min
